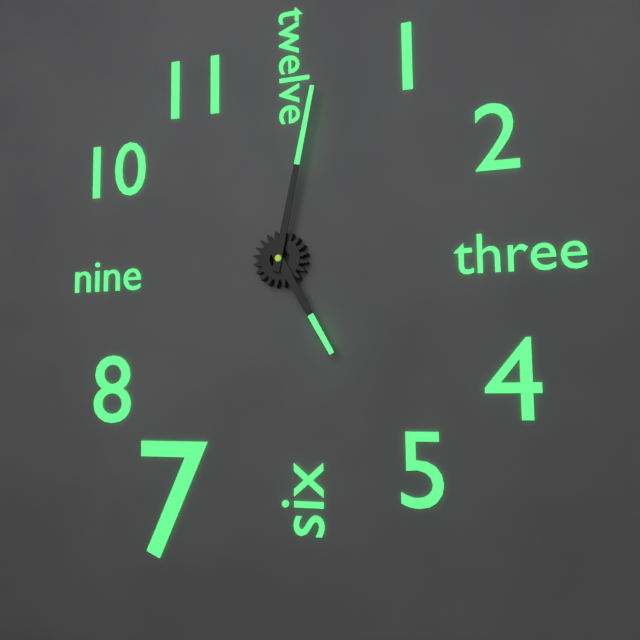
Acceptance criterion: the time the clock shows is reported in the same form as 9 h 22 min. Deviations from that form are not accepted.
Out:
5 h 02 min
